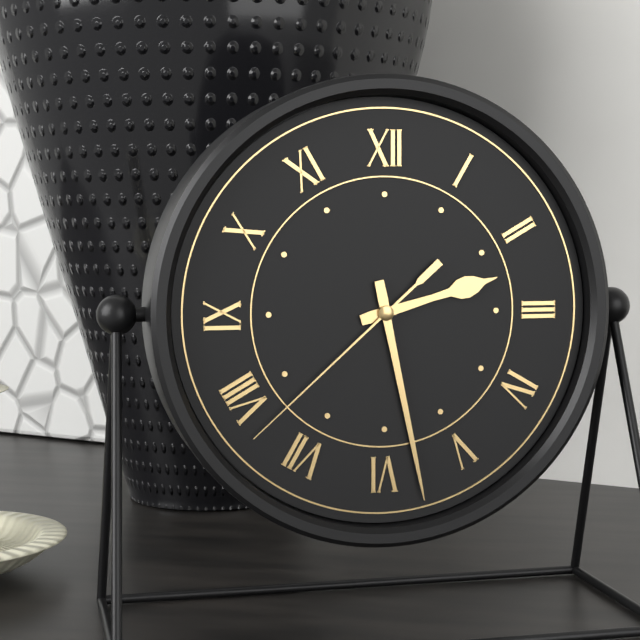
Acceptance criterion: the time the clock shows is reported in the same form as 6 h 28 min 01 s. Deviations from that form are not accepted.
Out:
2 h 28 min 38 s
